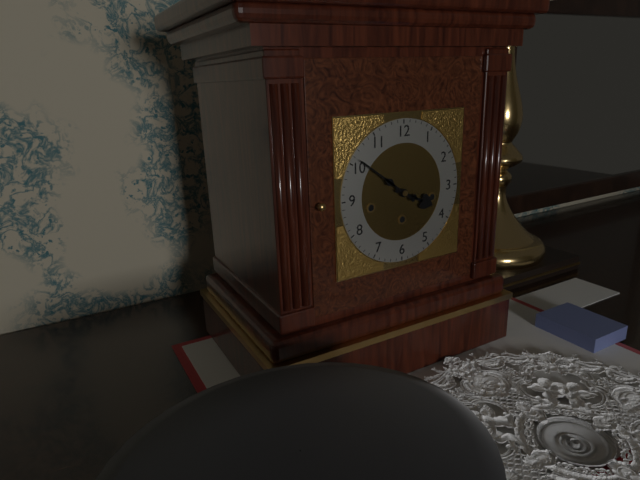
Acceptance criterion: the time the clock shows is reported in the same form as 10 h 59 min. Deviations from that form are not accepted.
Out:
3 h 51 min
